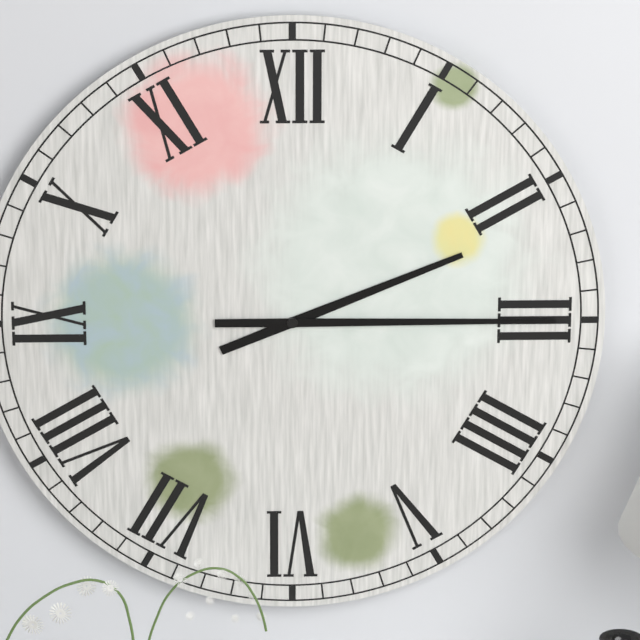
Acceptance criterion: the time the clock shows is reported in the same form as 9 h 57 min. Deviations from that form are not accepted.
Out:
2 h 15 min
